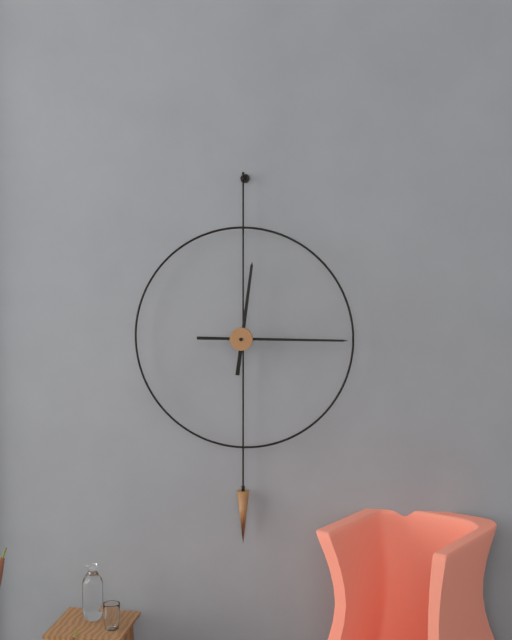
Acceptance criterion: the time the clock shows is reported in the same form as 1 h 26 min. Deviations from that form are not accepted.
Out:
12 h 15 min
